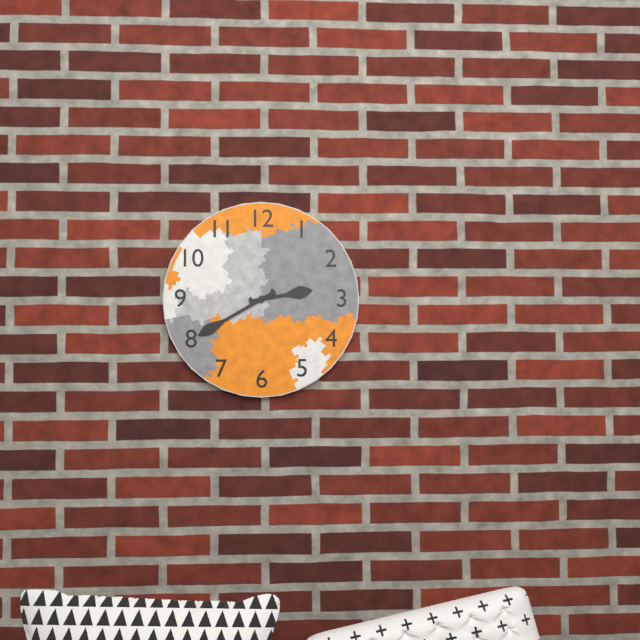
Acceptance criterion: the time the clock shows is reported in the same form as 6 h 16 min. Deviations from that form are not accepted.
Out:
2 h 40 min
